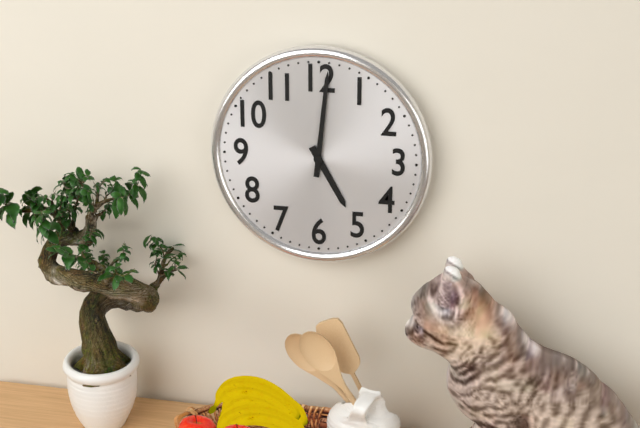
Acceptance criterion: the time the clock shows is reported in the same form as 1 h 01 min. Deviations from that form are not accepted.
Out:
5 h 01 min
